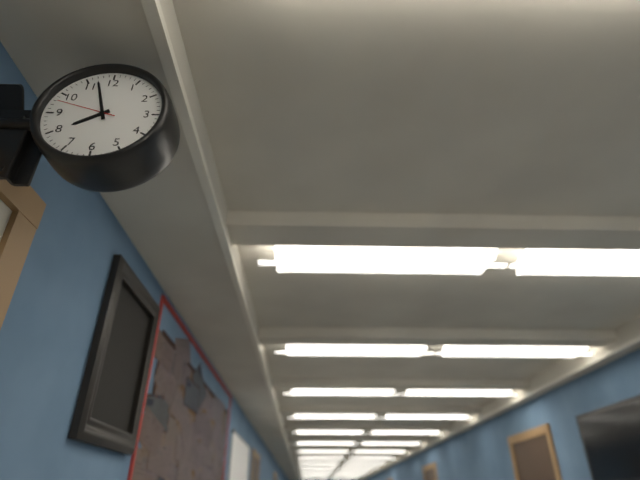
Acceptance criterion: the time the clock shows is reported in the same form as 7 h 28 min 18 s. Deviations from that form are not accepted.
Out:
7 h 57 min 48 s
